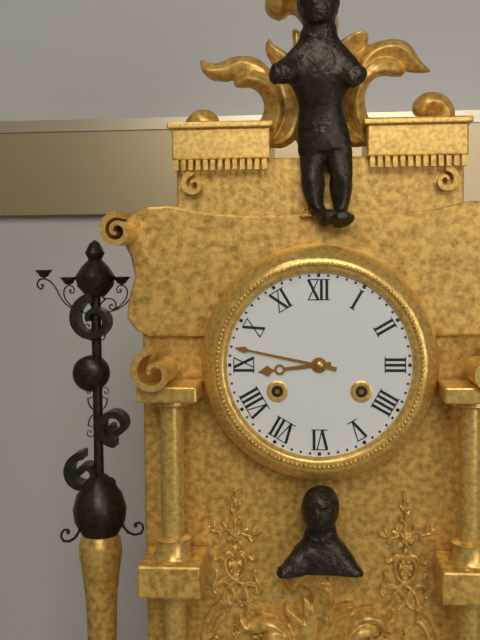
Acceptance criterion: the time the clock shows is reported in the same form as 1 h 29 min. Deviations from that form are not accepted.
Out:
8 h 47 min
